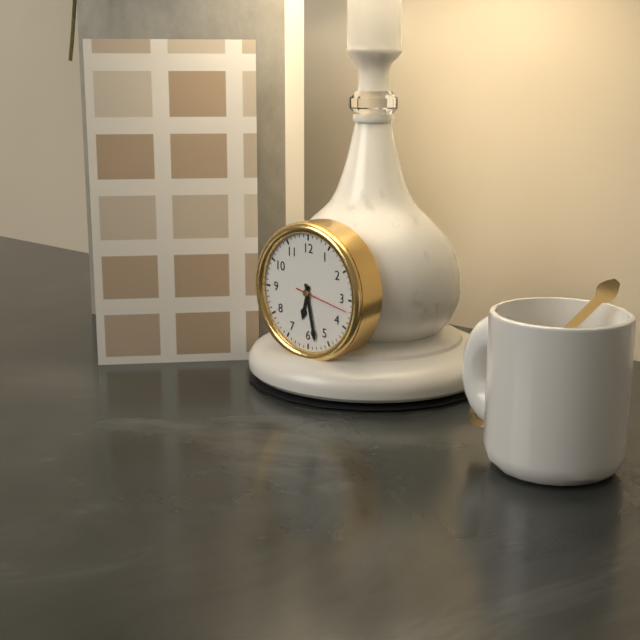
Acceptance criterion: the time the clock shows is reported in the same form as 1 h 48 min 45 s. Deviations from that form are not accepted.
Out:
6 h 28 min 17 s
